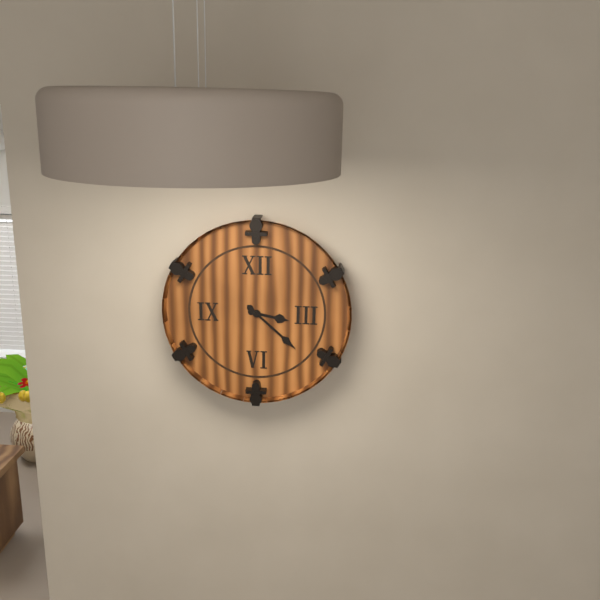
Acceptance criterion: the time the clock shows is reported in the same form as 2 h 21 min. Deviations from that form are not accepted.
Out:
3 h 22 min
